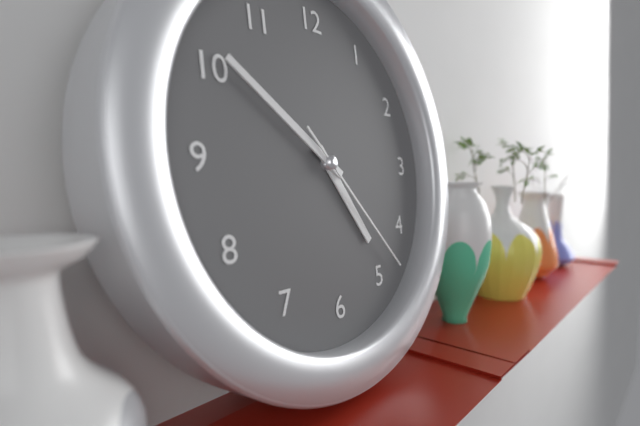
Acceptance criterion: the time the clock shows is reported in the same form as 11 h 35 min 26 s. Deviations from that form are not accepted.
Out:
4 h 51 min 23 s
